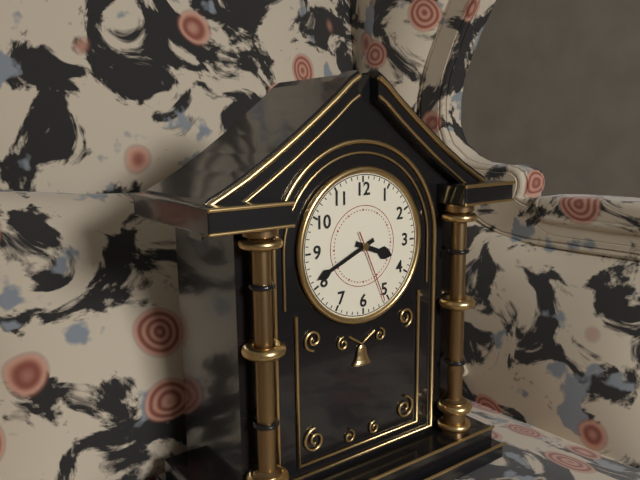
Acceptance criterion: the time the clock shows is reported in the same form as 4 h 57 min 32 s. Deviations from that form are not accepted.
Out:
3 h 41 min 26 s
